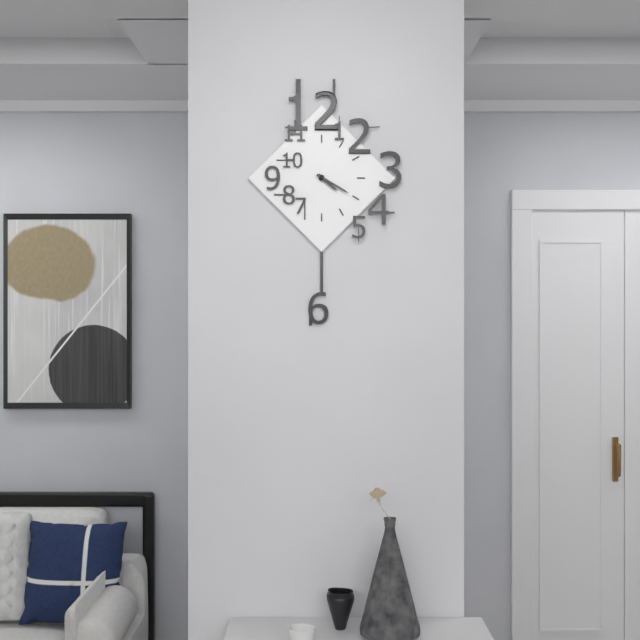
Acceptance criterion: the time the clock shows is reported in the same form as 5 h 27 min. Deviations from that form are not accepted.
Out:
4 h 20 min
